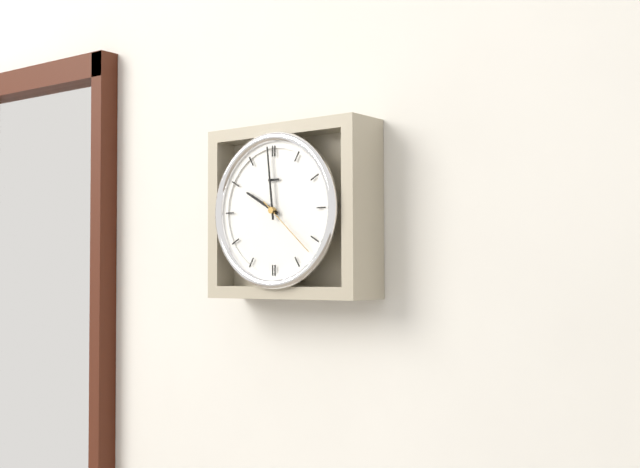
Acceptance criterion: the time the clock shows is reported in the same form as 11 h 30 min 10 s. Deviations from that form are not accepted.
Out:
9 h 59 min 22 s
